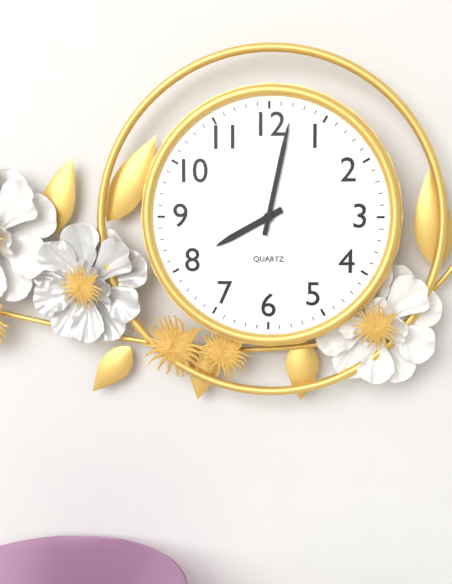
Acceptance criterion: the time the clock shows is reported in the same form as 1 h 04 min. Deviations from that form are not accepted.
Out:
8 h 02 min
